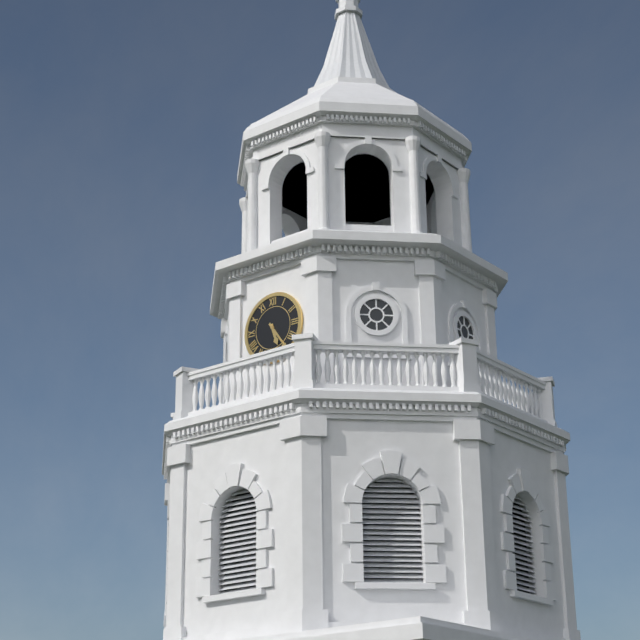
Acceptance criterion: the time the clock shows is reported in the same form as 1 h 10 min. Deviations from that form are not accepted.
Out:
5 h 24 min
